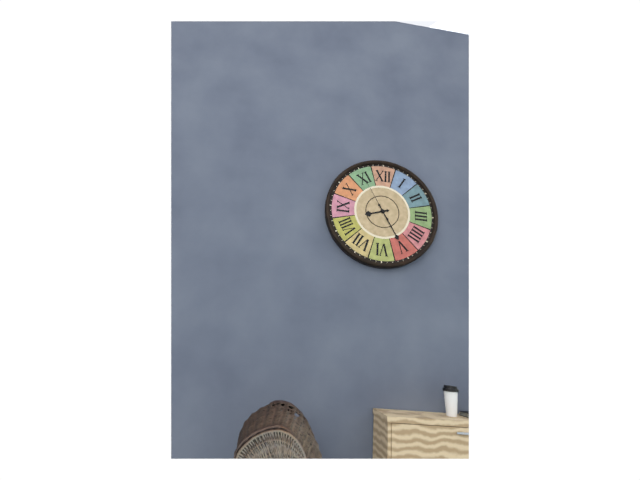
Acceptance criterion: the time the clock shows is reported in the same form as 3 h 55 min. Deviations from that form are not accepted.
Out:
8 h 25 min
